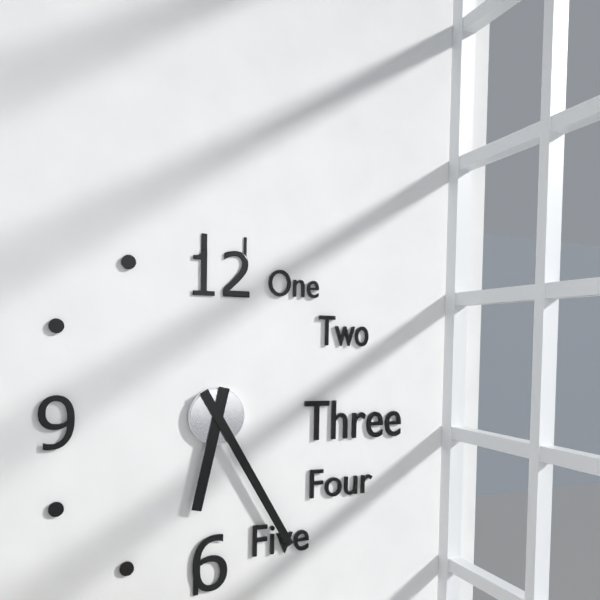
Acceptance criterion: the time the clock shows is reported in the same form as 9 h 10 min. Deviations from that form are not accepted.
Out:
6 h 25 min
